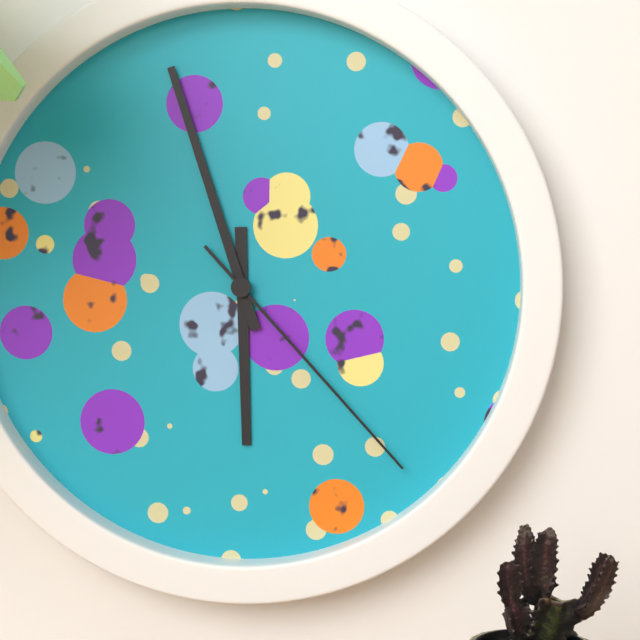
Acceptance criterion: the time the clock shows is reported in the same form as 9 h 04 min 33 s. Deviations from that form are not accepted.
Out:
5 h 57 min 23 s
